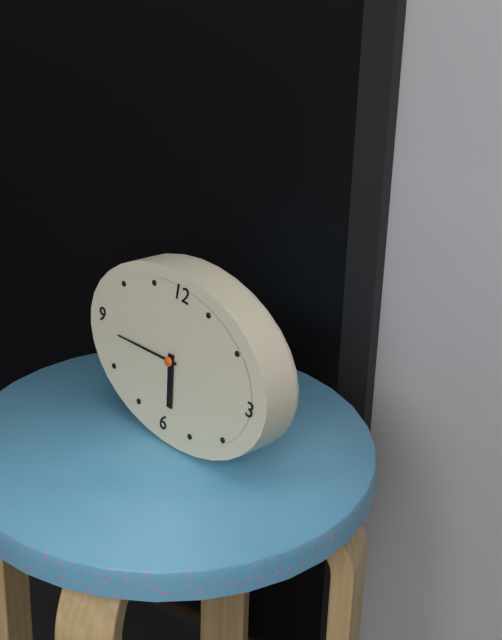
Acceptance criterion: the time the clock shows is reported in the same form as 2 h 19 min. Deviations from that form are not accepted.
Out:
5 h 44 min
